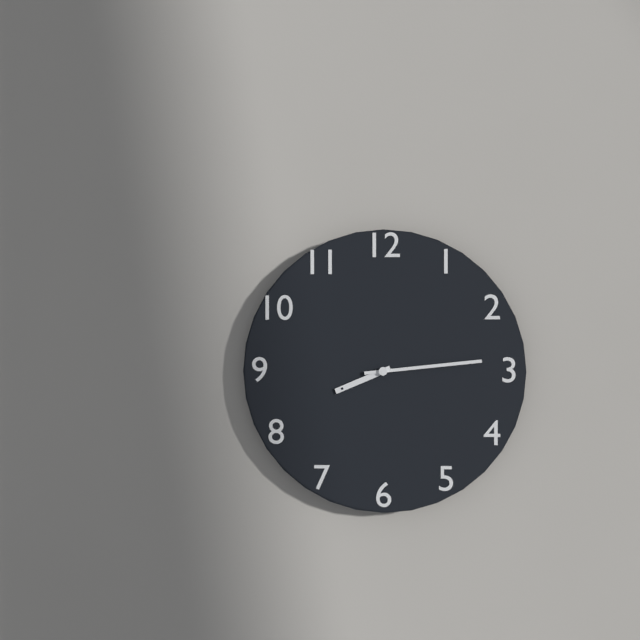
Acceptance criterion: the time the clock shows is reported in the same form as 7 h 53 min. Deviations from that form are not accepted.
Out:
8 h 14 min
